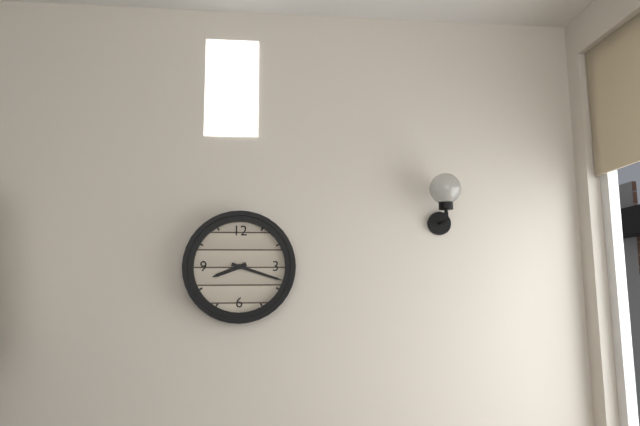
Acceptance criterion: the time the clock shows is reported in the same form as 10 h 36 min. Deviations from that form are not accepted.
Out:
8 h 18 min
